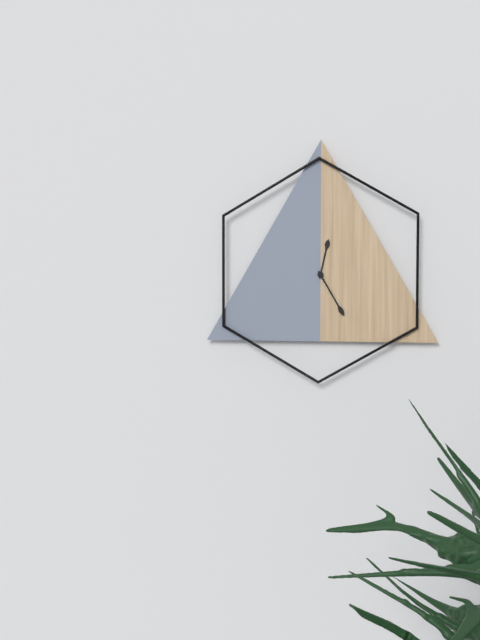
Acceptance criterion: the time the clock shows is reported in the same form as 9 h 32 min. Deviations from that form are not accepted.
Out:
12 h 25 min
